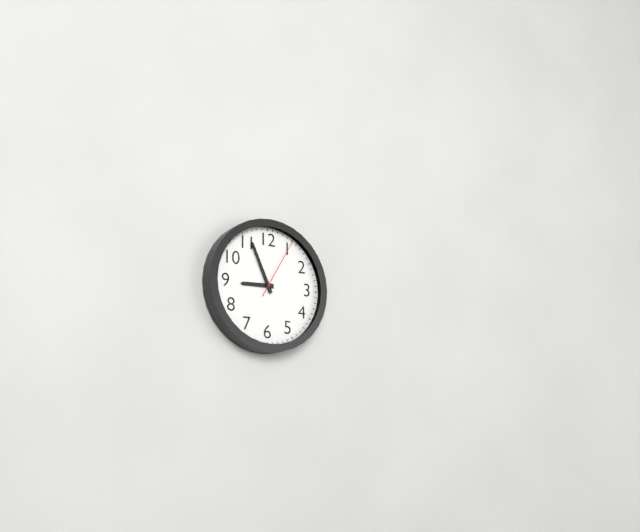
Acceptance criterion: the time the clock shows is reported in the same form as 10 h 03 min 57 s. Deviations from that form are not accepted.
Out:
8 h 56 min 05 s
